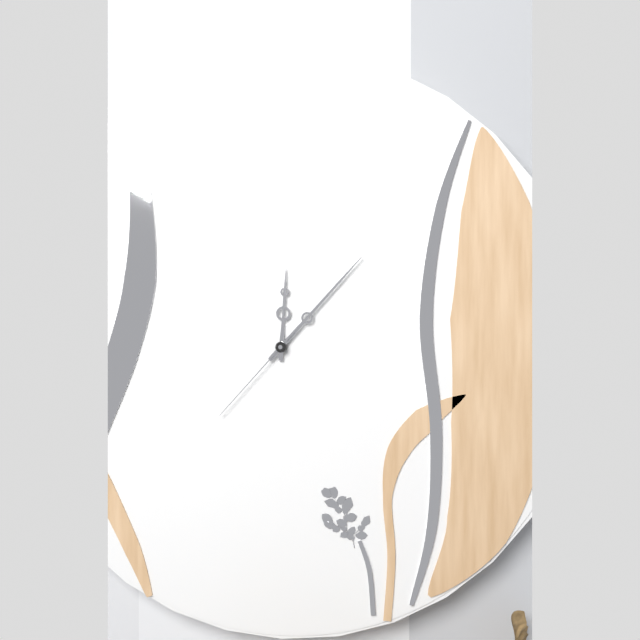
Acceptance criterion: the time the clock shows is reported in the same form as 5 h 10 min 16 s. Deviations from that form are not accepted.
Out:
12 h 07 min 37 s
